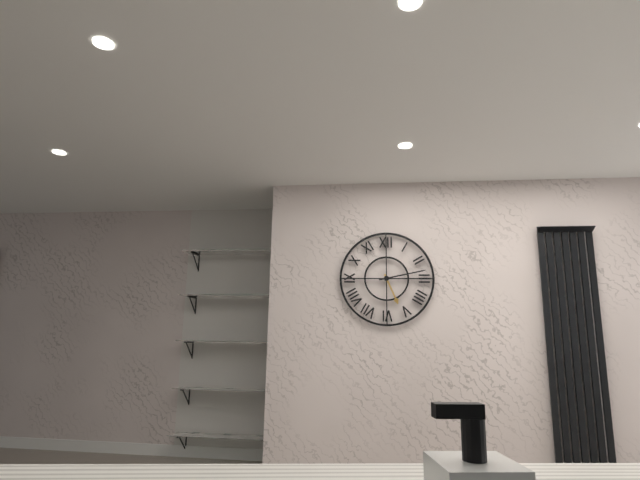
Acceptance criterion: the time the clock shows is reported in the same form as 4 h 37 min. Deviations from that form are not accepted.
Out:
5 h 13 min
